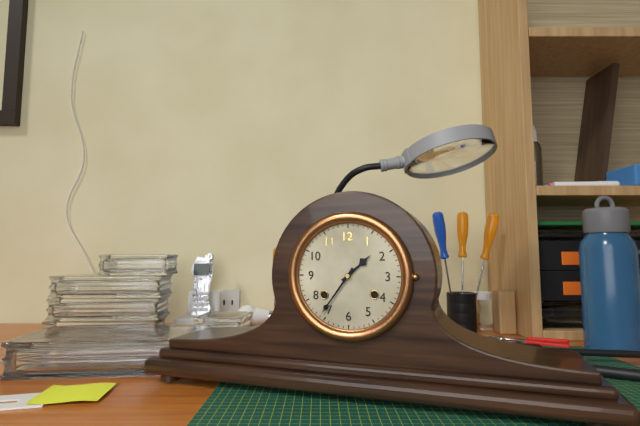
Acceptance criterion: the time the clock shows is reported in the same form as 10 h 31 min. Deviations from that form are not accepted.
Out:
1 h 36 min
